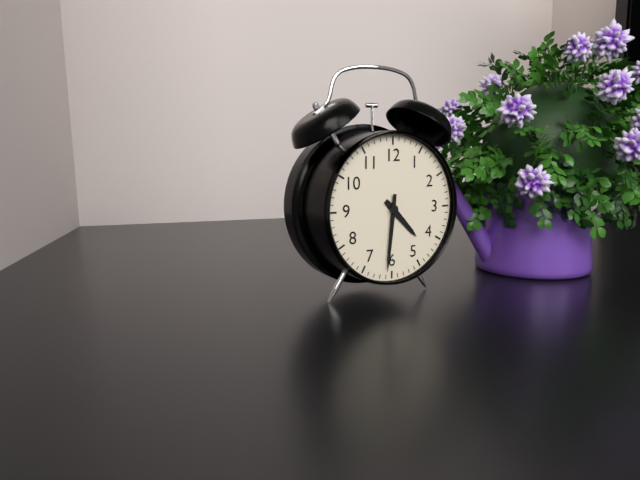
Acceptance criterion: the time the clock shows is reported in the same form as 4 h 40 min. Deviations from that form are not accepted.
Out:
4 h 31 min
